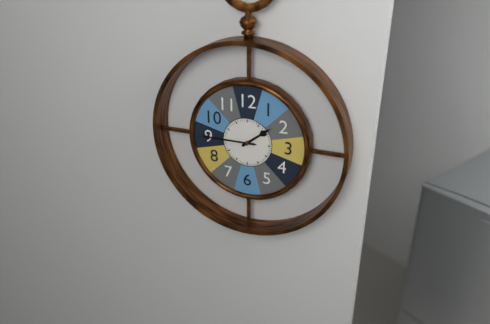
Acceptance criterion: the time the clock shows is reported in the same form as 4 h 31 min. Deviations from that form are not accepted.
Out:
1 h 45 min
